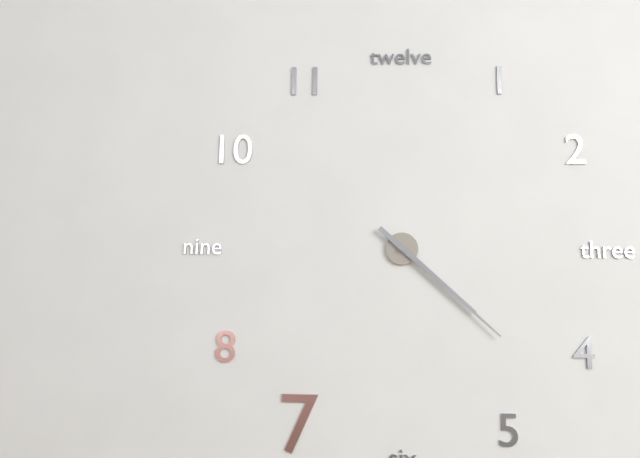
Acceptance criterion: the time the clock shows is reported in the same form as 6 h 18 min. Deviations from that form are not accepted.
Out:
4 h 22 min
